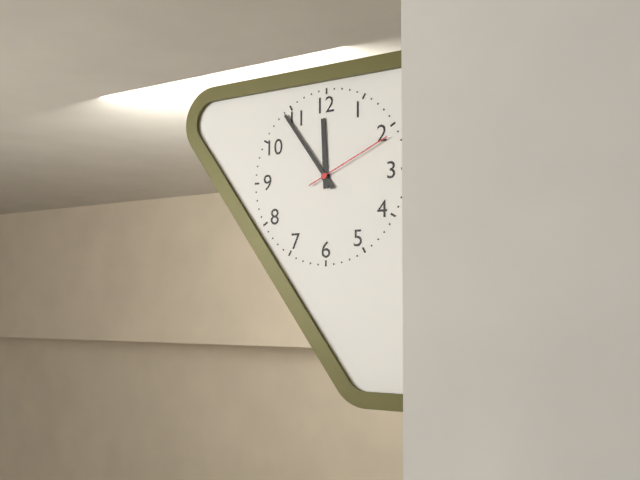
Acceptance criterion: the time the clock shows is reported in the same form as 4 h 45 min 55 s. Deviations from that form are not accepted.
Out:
11 h 54 min 11 s
